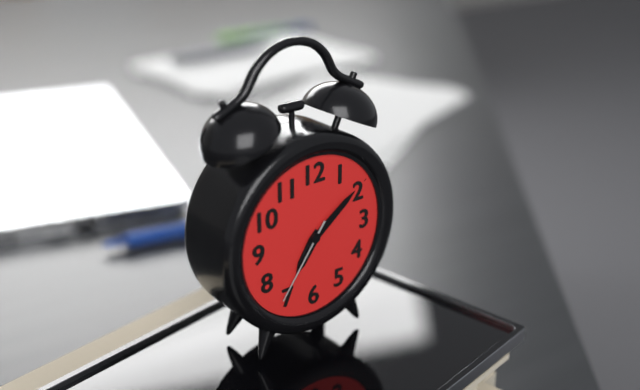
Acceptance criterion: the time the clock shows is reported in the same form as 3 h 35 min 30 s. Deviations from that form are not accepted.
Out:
7 h 09 min 36 s
